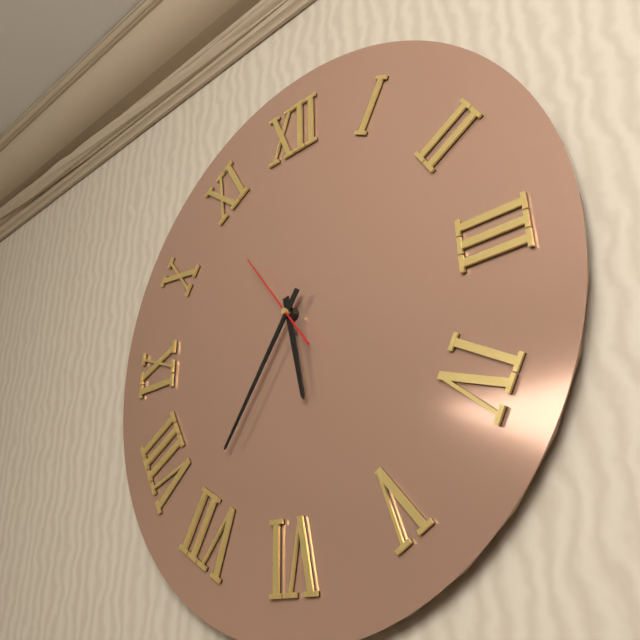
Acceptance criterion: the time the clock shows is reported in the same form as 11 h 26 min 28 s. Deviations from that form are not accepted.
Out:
5 h 36 min 54 s
